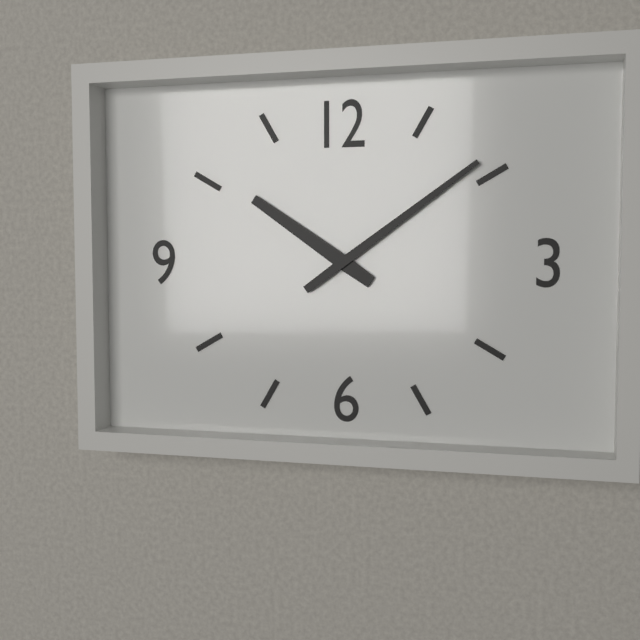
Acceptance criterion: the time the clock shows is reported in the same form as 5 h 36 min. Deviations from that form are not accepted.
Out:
10 h 09 min
